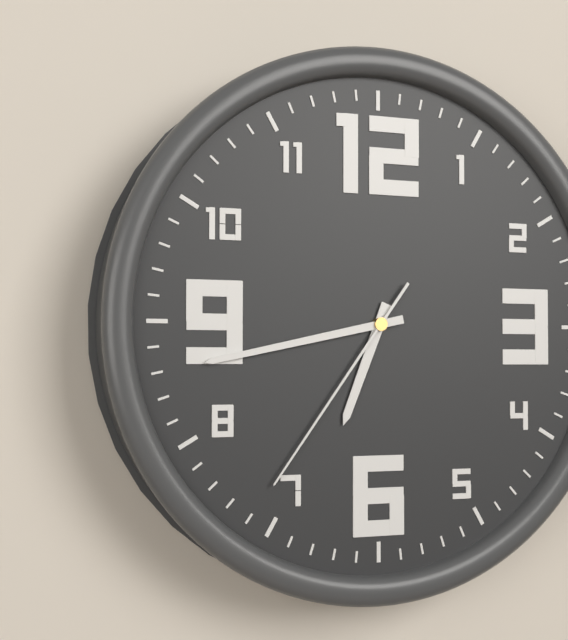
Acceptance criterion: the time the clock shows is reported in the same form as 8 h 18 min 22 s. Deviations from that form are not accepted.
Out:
6 h 43 min 36 s
